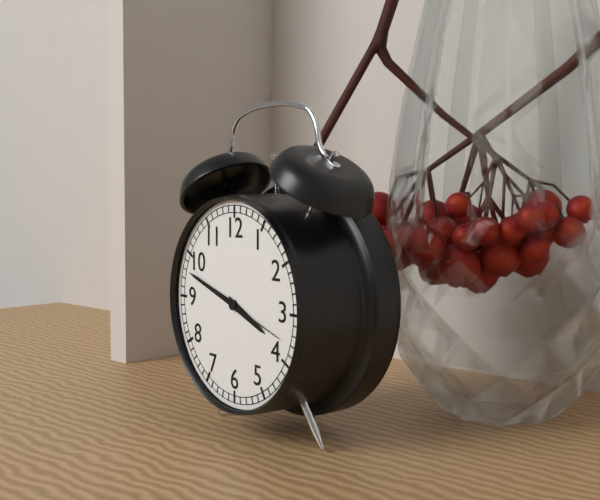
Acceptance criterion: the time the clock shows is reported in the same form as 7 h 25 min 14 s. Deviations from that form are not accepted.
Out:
3 h 48 min 18 s
